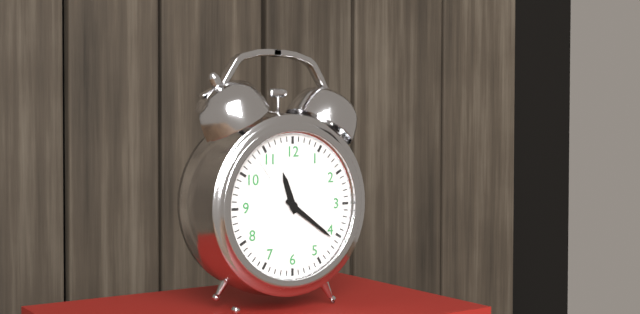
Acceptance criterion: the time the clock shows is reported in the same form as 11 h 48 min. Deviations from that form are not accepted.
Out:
11 h 21 min
